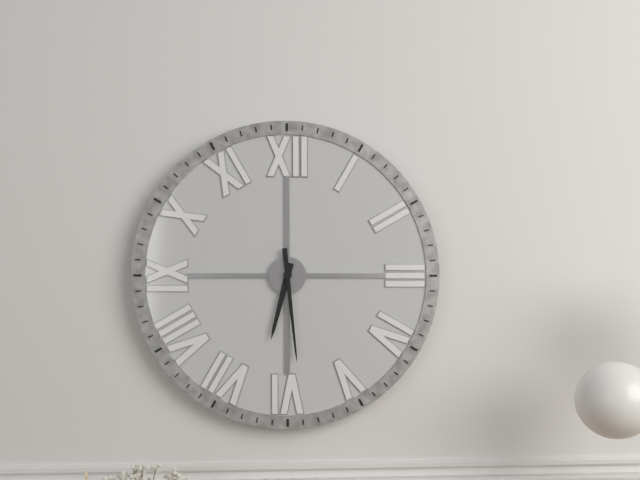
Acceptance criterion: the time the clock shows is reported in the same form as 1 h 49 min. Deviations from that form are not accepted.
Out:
6 h 29 min
